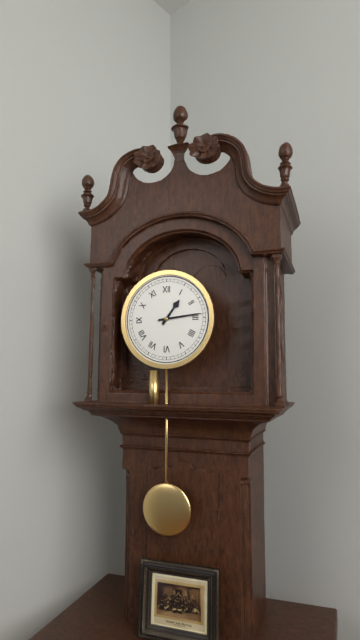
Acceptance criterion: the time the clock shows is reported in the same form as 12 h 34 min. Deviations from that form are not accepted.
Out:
1 h 14 min
